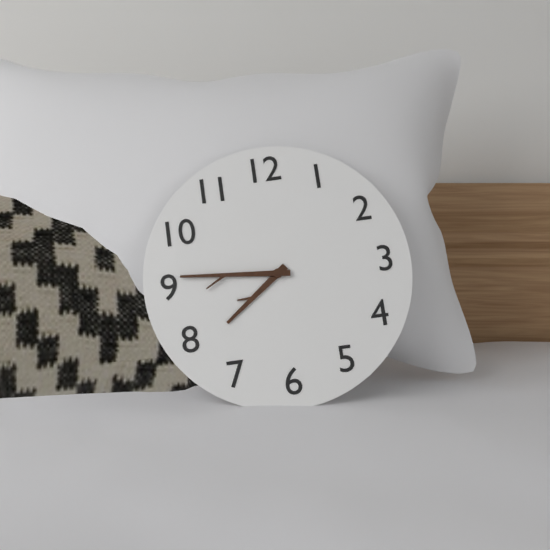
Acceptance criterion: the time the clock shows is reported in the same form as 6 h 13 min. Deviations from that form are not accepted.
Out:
7 h 46 min
